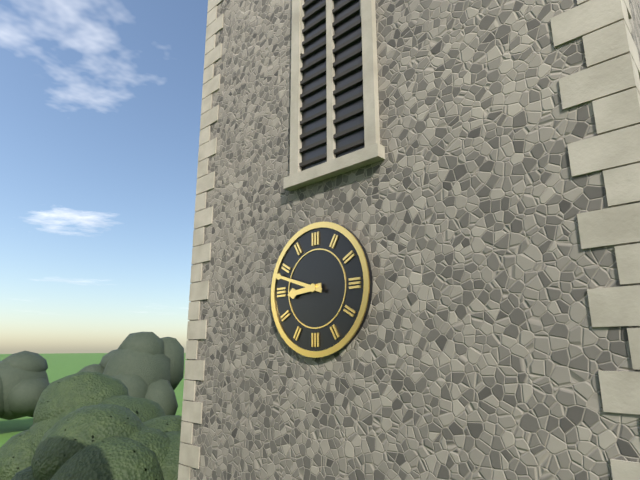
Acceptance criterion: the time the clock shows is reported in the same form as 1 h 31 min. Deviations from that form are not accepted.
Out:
8 h 48 min
